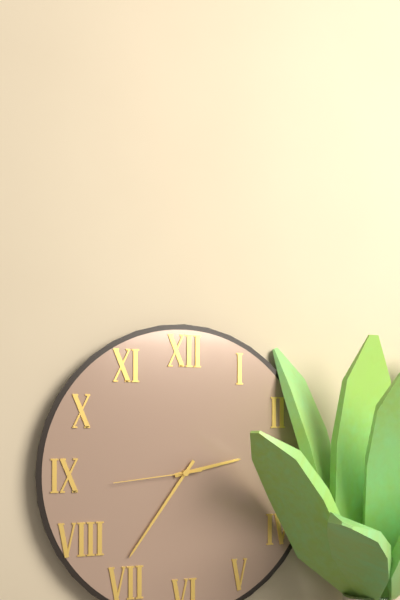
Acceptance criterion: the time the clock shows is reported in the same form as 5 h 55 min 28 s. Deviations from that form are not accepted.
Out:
2 h 36 min 44 s
